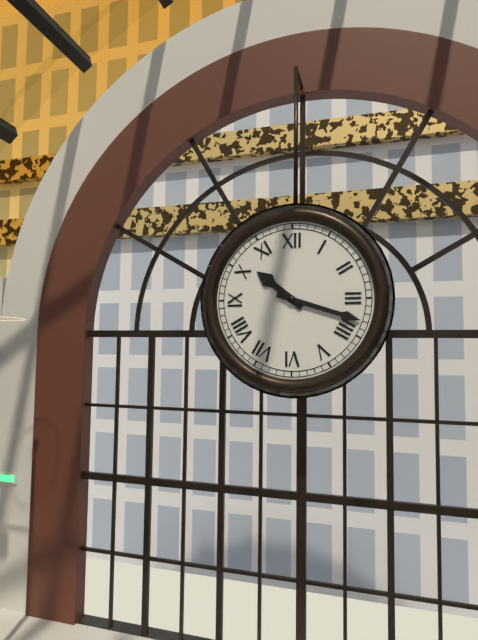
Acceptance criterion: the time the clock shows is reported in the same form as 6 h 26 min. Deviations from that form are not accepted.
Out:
10 h 18 min
